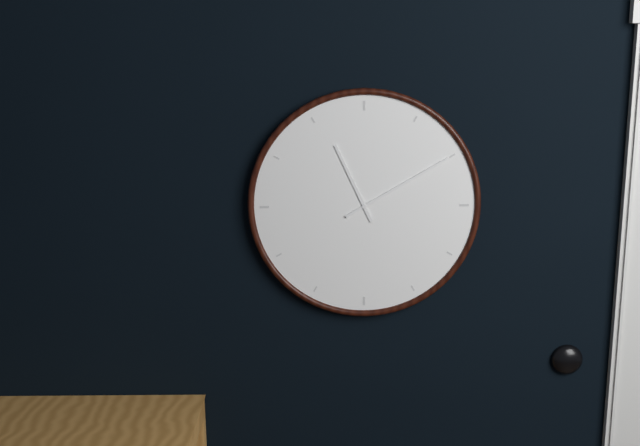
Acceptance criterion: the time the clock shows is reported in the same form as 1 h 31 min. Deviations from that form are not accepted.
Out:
11 h 10 min
